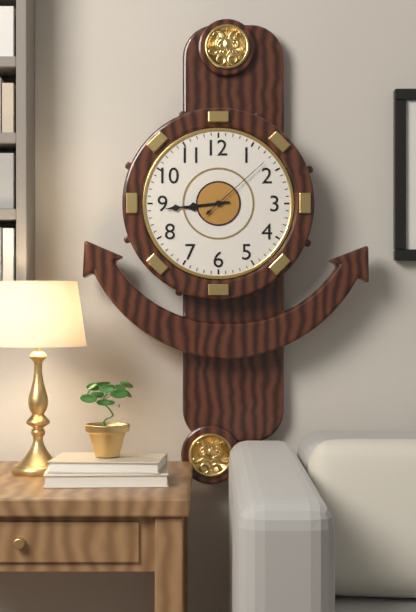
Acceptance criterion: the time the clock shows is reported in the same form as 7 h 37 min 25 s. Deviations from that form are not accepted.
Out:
8 h 44 min 08 s
